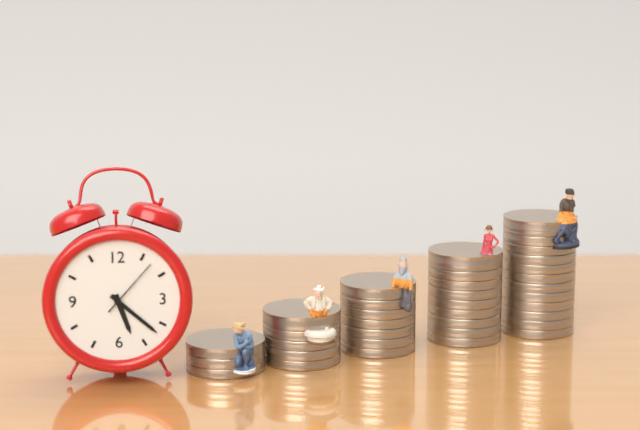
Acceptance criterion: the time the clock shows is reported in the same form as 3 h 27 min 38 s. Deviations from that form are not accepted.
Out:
5 h 22 min 07 s
